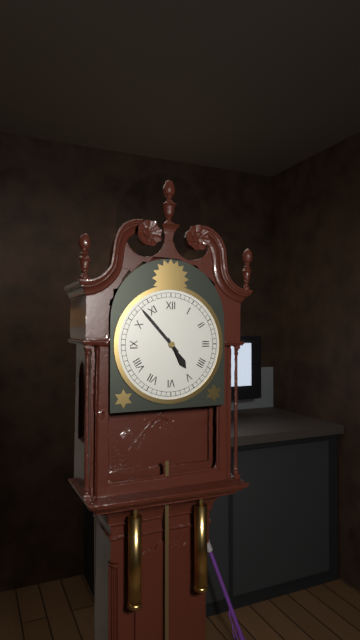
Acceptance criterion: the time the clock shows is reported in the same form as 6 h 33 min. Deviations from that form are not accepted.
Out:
4 h 53 min
